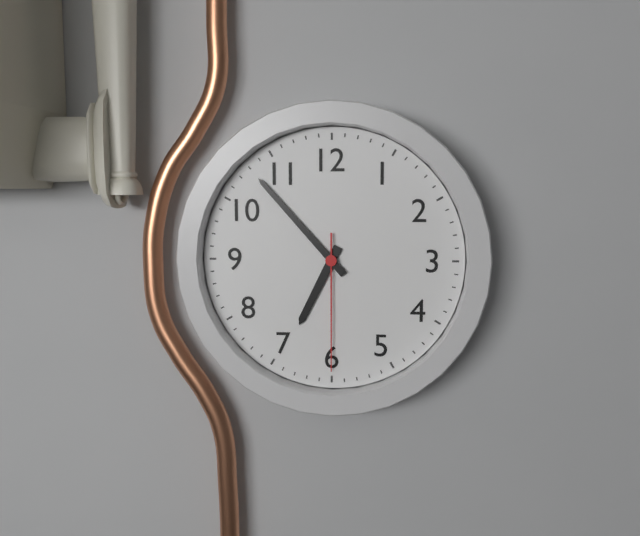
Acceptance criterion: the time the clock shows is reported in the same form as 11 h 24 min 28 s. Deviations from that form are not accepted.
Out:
6 h 53 min 30 s
